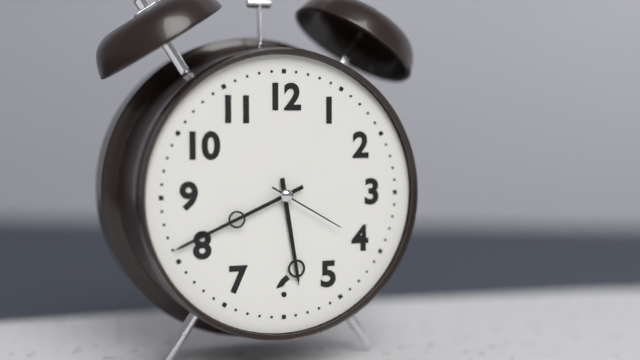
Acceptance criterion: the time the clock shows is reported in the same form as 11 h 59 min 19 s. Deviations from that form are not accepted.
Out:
5 h 41 min 20 s
